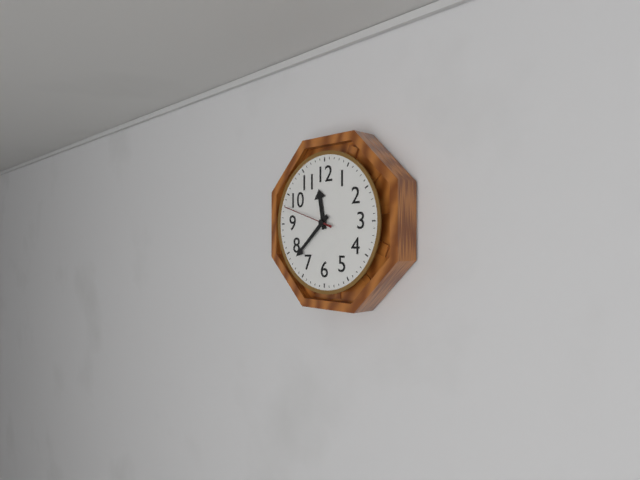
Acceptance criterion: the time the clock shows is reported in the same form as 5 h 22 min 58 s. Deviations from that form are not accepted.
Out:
11 h 38 min 48 s
